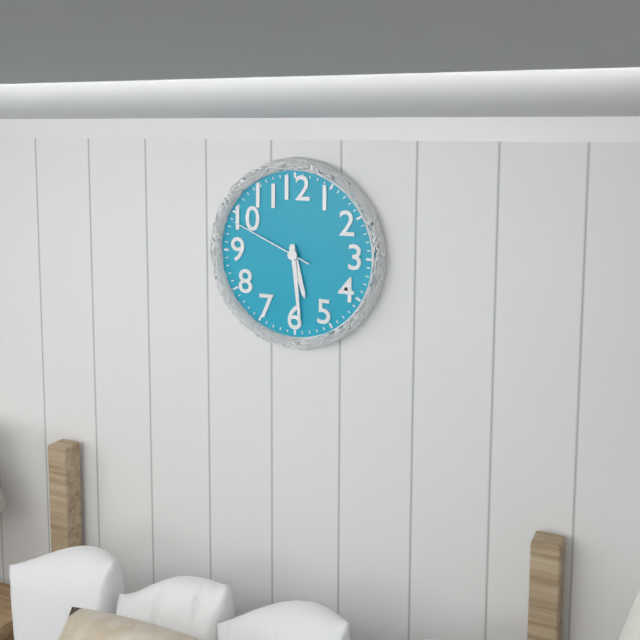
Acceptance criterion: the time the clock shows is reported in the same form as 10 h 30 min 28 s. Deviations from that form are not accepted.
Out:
5 h 29 min 49 s
